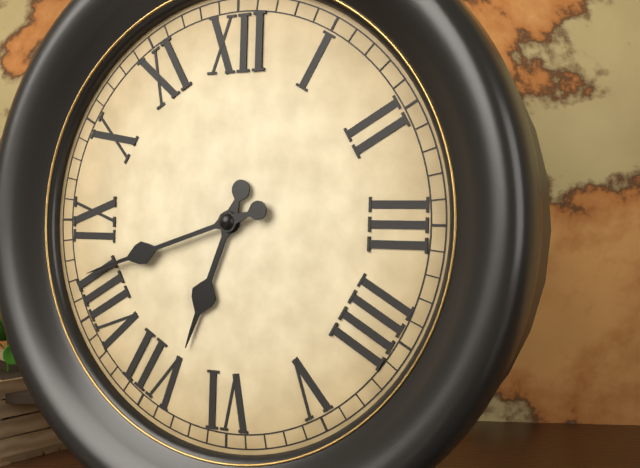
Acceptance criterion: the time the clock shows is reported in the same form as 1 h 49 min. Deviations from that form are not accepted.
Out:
6 h 42 min
